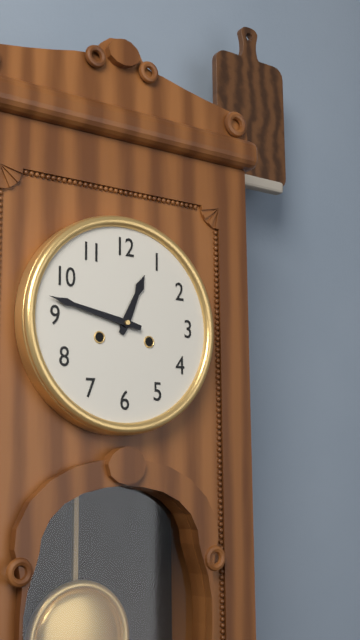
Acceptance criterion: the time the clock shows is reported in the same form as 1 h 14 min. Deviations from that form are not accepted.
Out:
12 h 47 min
